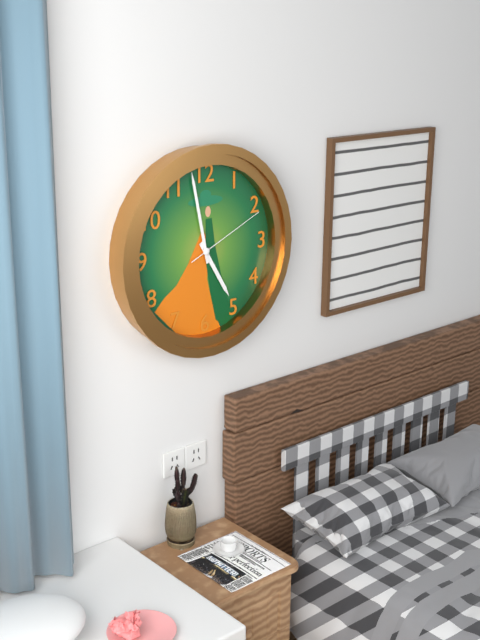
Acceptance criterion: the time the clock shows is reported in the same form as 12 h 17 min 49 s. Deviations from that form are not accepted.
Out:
4 h 58 min 11 s
